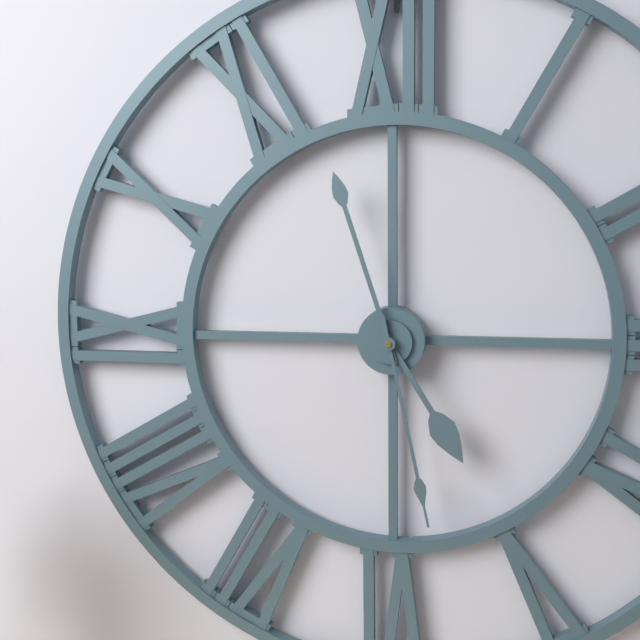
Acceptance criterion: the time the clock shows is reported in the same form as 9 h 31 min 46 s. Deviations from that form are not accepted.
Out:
4 h 57 min 28 s
